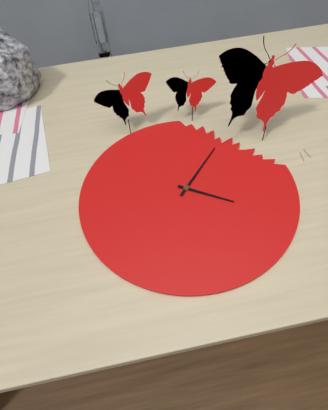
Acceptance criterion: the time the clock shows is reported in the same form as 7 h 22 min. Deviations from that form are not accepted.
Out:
4 h 07 min
